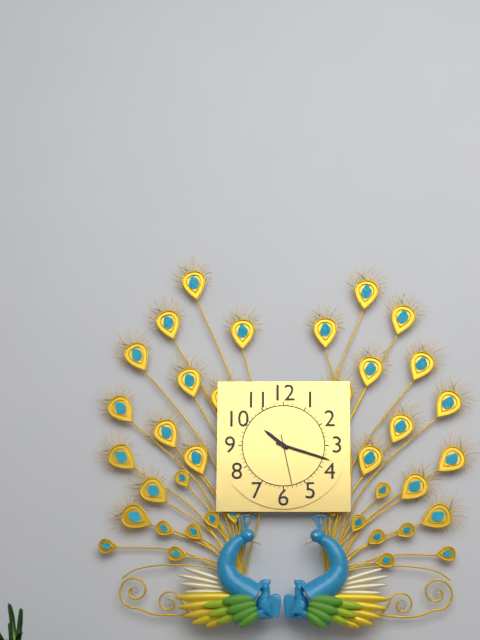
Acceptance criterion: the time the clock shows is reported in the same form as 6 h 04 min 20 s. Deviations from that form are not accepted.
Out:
10 h 18 min 28 s
